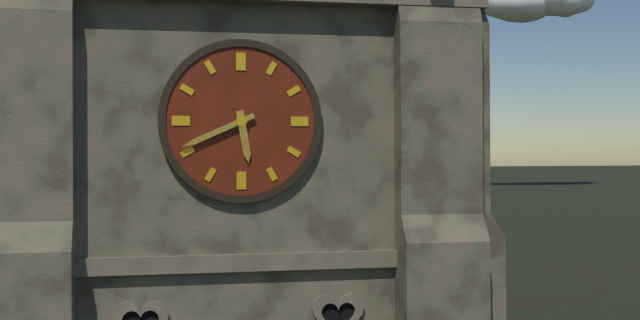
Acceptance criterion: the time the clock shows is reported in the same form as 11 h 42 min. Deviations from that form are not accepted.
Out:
5 h 41 min
